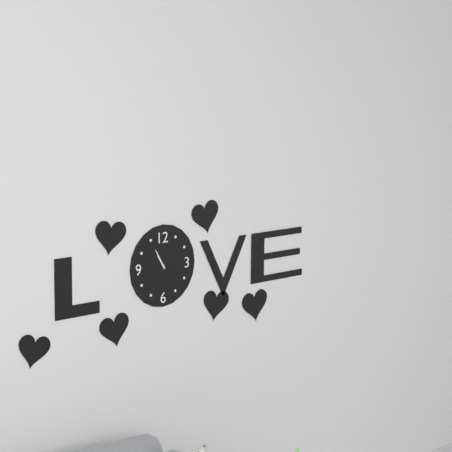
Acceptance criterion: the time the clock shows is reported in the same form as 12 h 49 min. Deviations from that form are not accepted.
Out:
10 h 55 min
